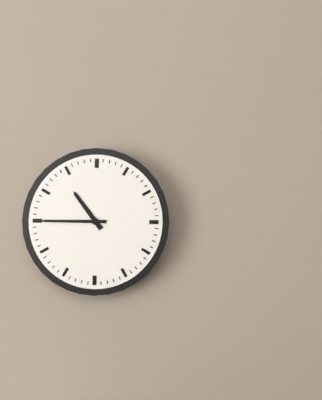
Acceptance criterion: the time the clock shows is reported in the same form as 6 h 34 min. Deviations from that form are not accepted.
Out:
10 h 45 min
